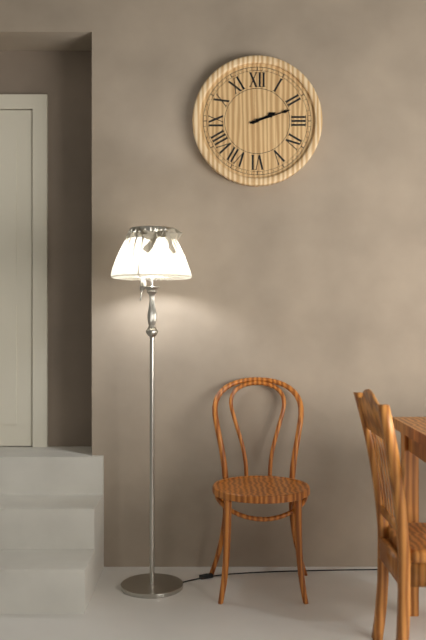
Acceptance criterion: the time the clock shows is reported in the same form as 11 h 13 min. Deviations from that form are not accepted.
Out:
2 h 12 min
